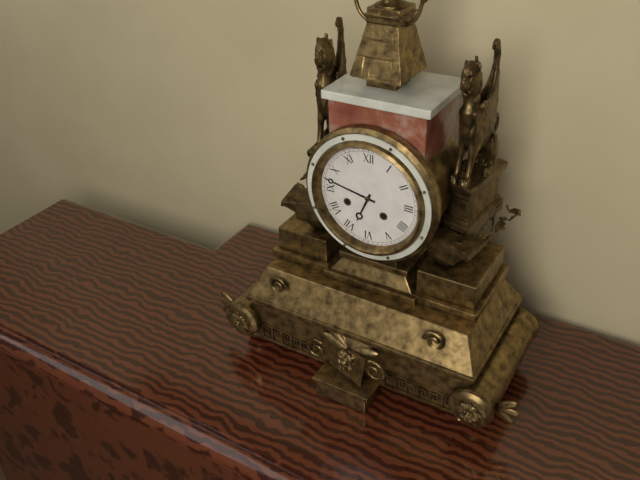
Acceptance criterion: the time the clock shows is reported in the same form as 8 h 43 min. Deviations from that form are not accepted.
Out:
6 h 47 min
